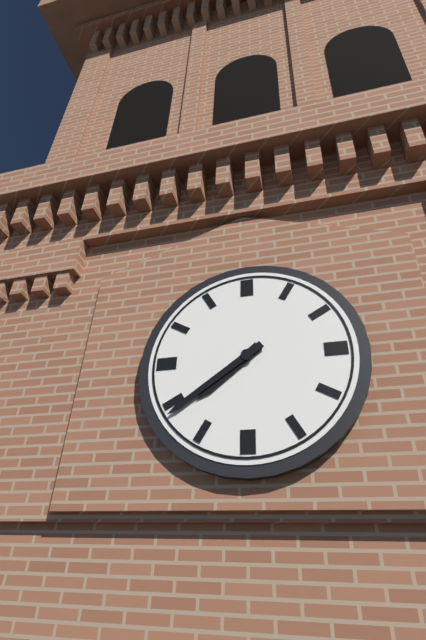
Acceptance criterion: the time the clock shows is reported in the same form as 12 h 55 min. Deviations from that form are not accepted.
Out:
7 h 39 min
